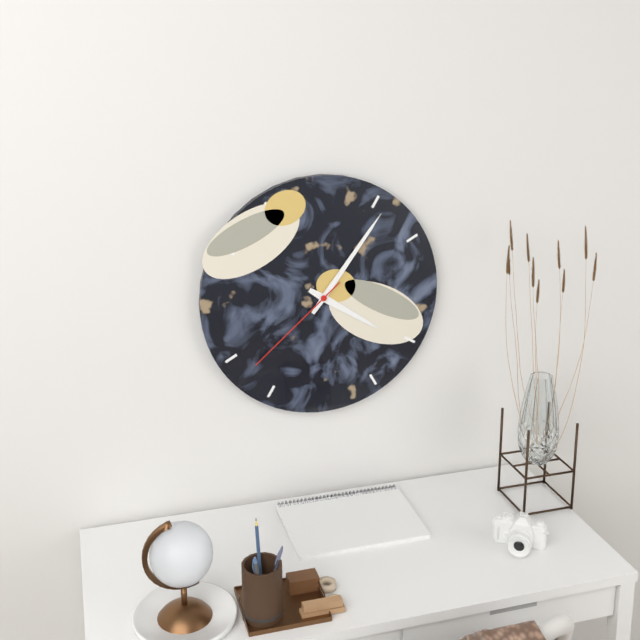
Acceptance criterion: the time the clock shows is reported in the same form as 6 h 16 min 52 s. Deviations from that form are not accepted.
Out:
4 h 06 min 38 s
